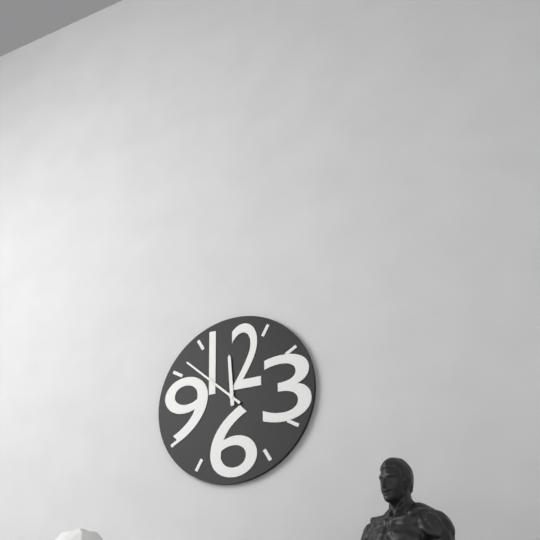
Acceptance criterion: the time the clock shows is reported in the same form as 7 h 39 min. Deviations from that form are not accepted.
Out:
11 h 52 min
